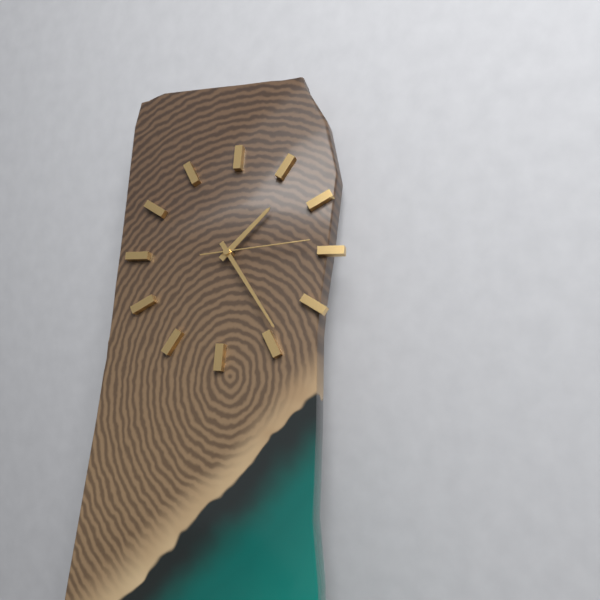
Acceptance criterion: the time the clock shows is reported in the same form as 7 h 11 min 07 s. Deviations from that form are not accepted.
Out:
1 h 24 min 14 s
